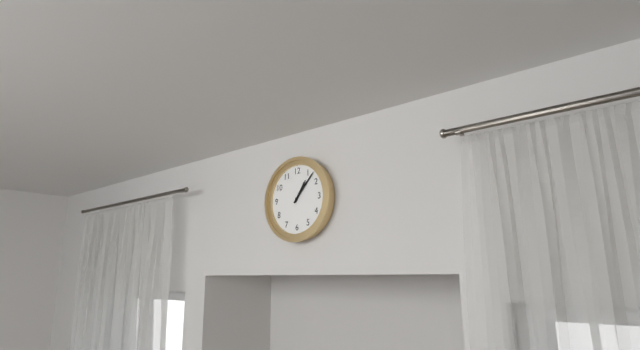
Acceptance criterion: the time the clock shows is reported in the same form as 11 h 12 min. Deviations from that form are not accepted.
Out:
1 h 07 min
